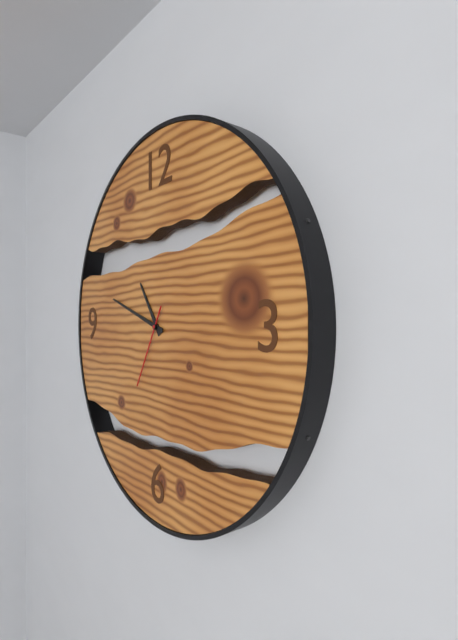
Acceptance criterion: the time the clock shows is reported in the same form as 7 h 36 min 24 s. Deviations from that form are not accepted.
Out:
10 h 48 min 35 s
